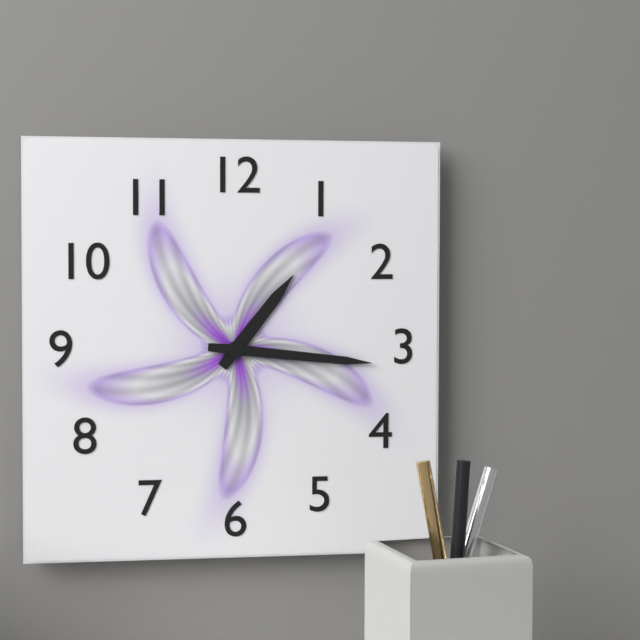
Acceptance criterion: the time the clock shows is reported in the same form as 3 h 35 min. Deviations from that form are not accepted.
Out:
1 h 16 min
